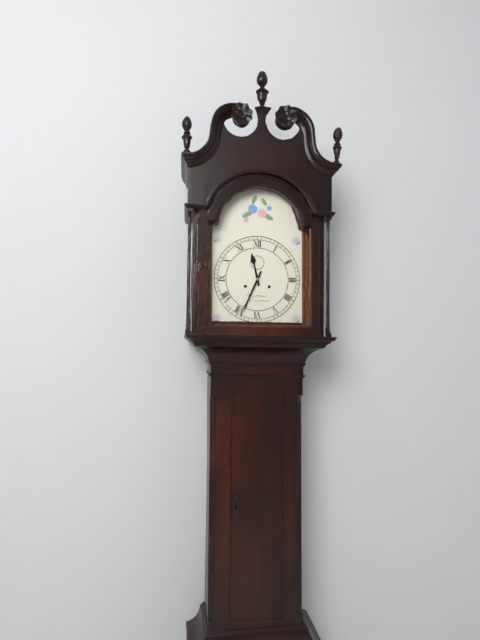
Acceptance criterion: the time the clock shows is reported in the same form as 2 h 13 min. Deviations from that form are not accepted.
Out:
11 h 34 min
